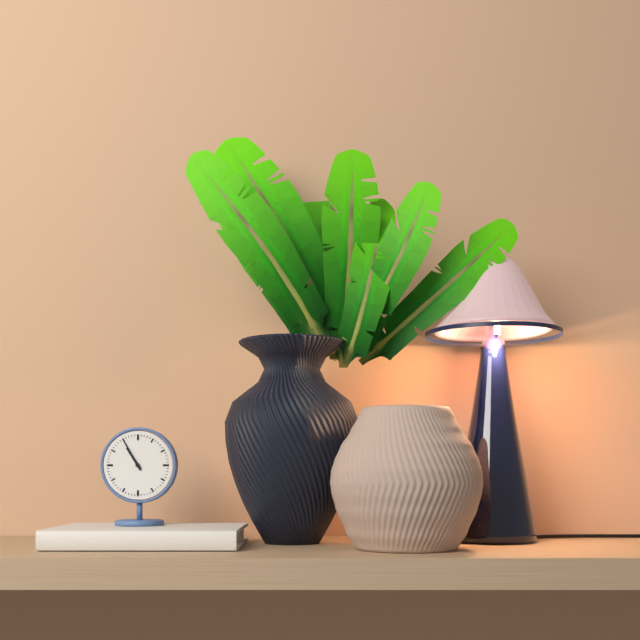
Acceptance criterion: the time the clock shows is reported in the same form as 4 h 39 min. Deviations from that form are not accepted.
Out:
10 h 55 min
